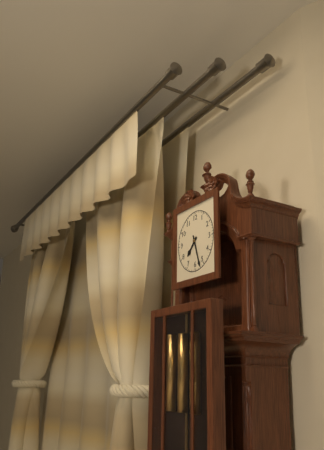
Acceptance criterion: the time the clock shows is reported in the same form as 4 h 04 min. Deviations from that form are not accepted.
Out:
7 h 27 min
